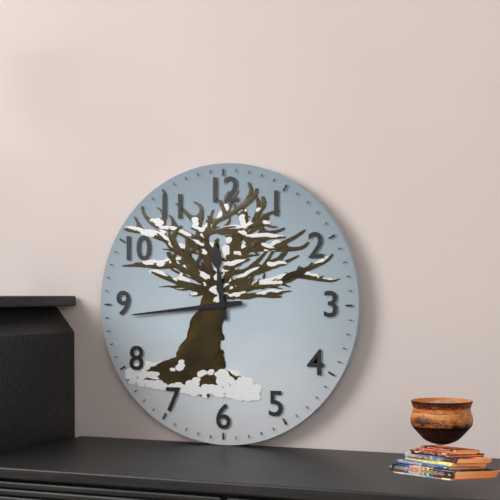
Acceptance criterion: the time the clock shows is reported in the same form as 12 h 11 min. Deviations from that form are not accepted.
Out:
11 h 44 min
